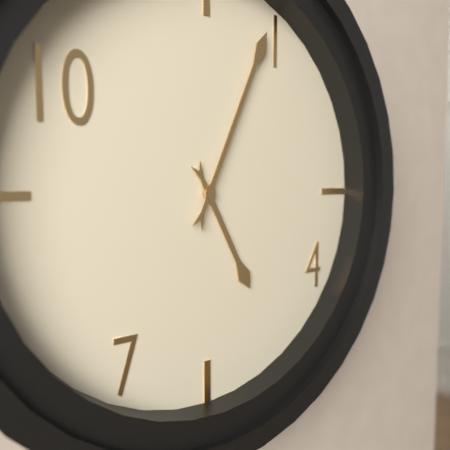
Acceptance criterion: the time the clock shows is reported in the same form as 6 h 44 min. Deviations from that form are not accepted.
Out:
5 h 04 min
